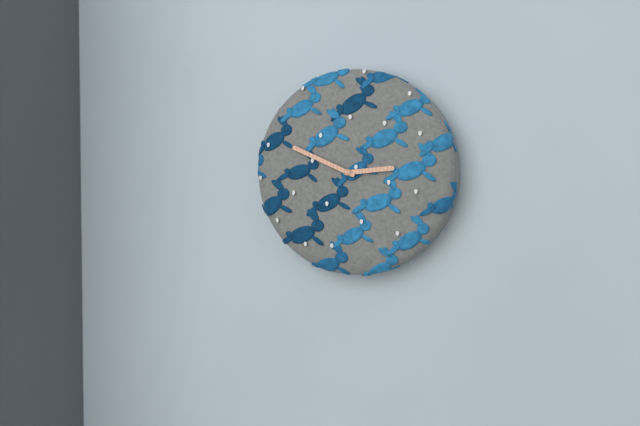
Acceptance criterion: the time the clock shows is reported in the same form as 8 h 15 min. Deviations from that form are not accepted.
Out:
2 h 49 min
